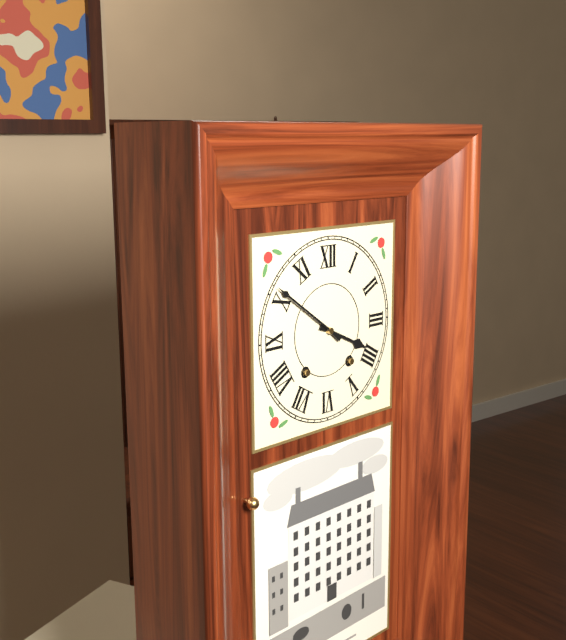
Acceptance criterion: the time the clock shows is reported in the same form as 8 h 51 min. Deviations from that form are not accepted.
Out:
3 h 51 min
